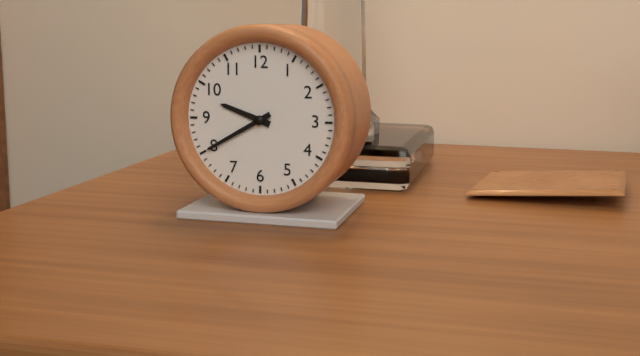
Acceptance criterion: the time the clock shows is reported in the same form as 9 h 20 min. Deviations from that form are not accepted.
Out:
9 h 40 min
